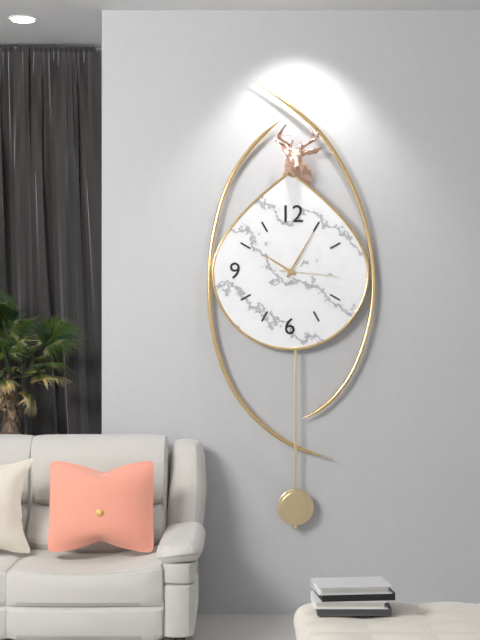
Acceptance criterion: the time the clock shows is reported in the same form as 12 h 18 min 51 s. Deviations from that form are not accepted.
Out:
10 h 05 min 16 s
